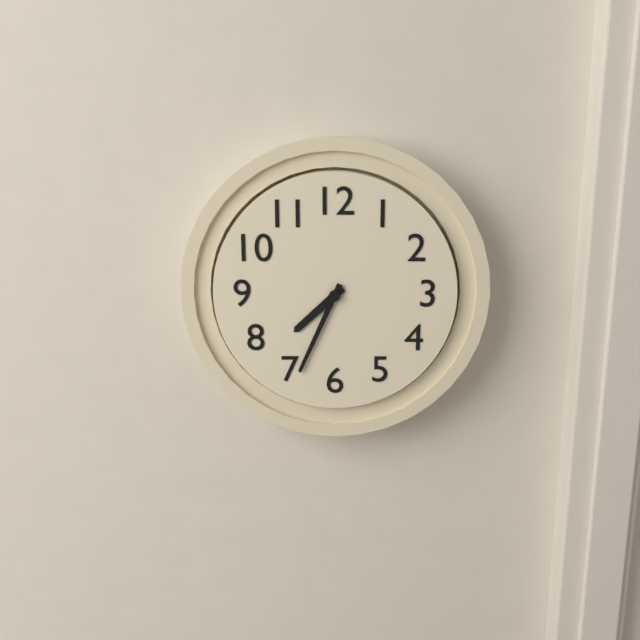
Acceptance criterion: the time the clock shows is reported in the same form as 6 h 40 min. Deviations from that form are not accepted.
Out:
7 h 34 min
